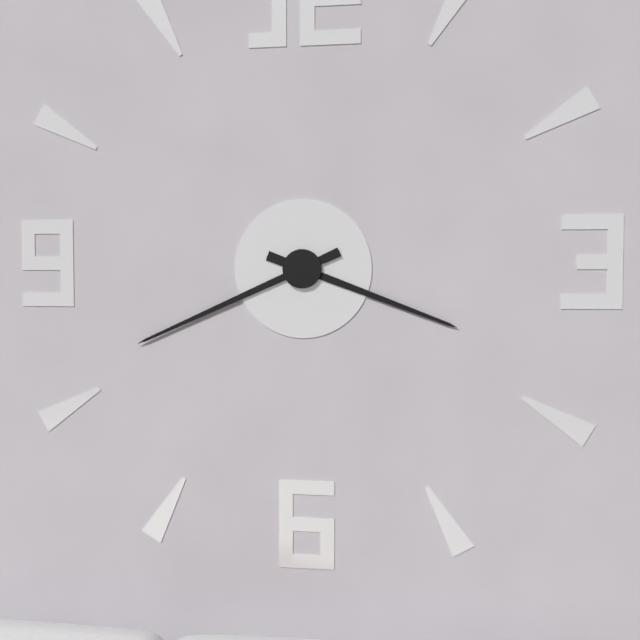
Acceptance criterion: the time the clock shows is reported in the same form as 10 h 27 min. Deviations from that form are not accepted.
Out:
3 h 41 min
